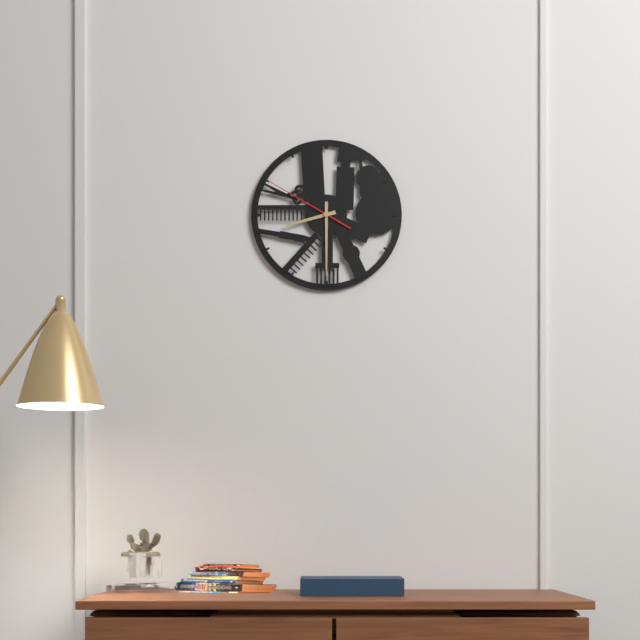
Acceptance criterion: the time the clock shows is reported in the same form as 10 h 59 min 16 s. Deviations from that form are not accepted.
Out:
8 h 30 min 50 s
